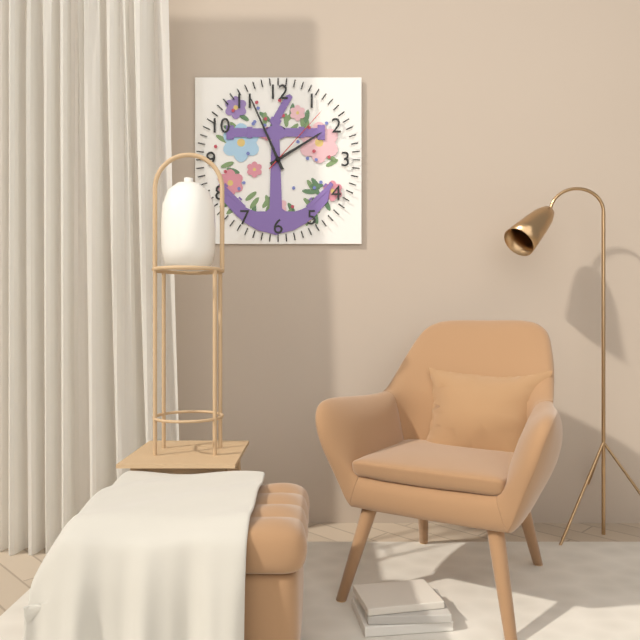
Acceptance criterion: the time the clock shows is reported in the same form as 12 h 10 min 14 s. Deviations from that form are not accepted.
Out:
1 h 56 min 07 s
